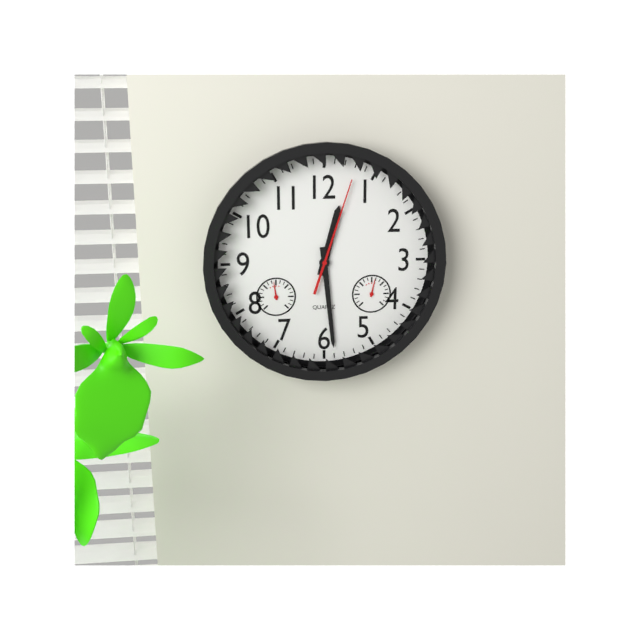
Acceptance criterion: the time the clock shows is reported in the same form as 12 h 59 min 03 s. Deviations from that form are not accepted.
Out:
12 h 29 min 03 s
